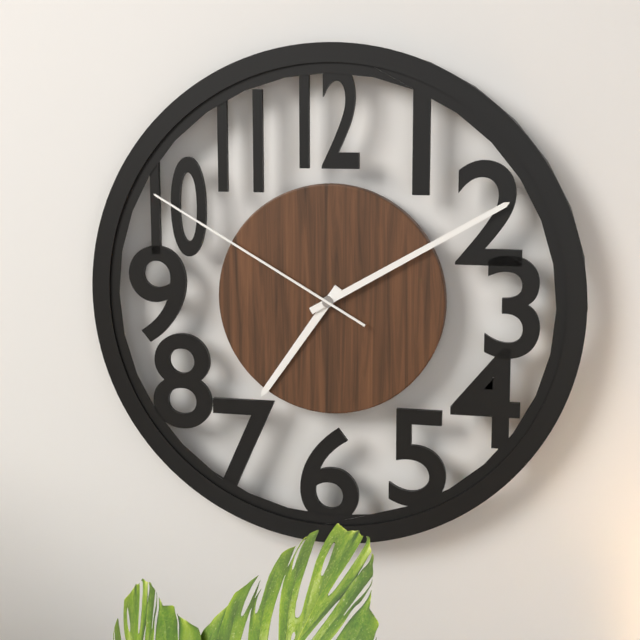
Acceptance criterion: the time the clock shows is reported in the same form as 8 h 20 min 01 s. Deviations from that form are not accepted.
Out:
7 h 10 min 50 s
